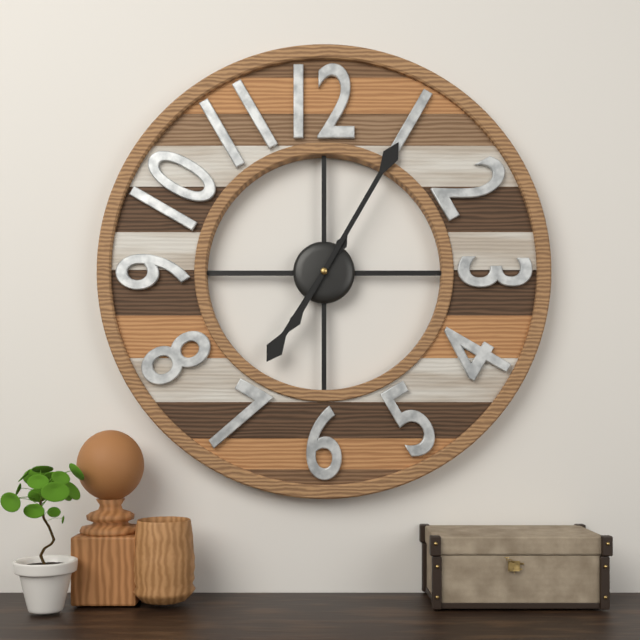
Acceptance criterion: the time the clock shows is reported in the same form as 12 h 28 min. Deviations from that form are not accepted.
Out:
7 h 05 min
